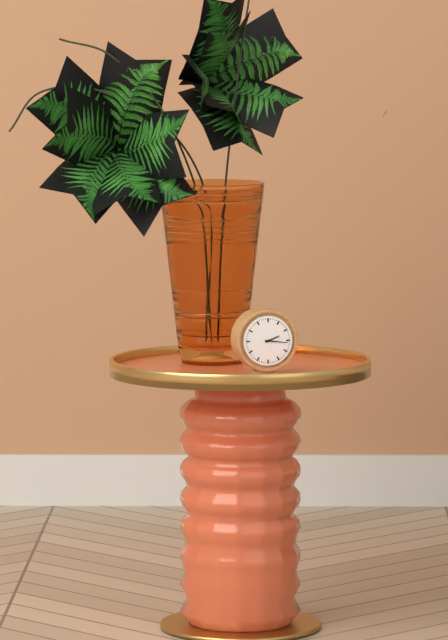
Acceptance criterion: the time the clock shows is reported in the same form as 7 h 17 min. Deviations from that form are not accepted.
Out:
2 h 16 min
